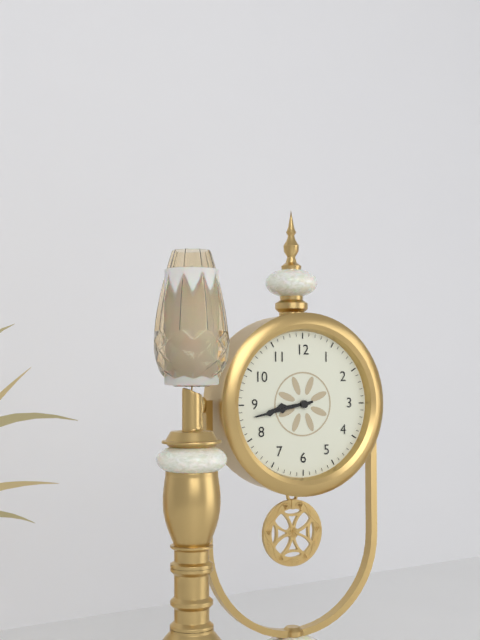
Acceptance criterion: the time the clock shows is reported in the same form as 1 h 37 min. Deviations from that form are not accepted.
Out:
8 h 43 min
